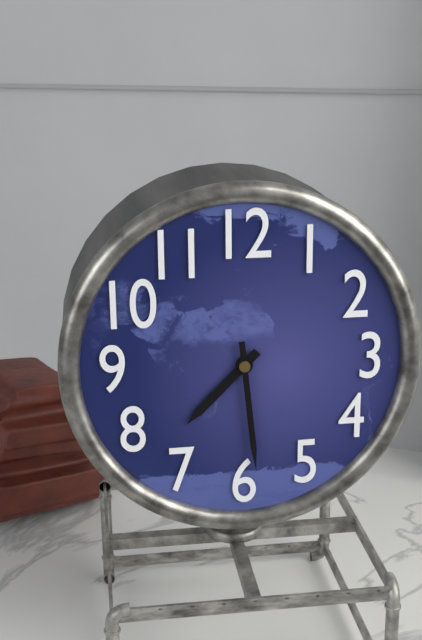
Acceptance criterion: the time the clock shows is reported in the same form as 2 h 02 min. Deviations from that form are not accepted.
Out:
7 h 29 min
